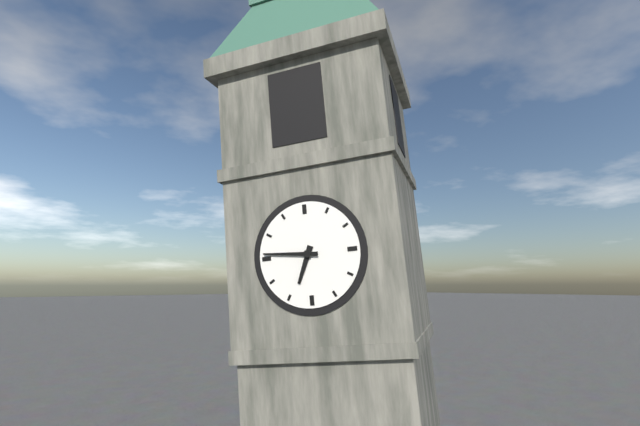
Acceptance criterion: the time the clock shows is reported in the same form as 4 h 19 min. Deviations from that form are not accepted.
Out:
6 h 46 min
